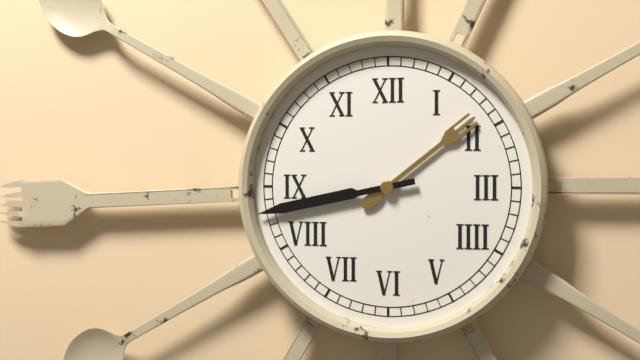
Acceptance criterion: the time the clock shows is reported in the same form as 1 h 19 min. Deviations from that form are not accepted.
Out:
1 h 43 min
